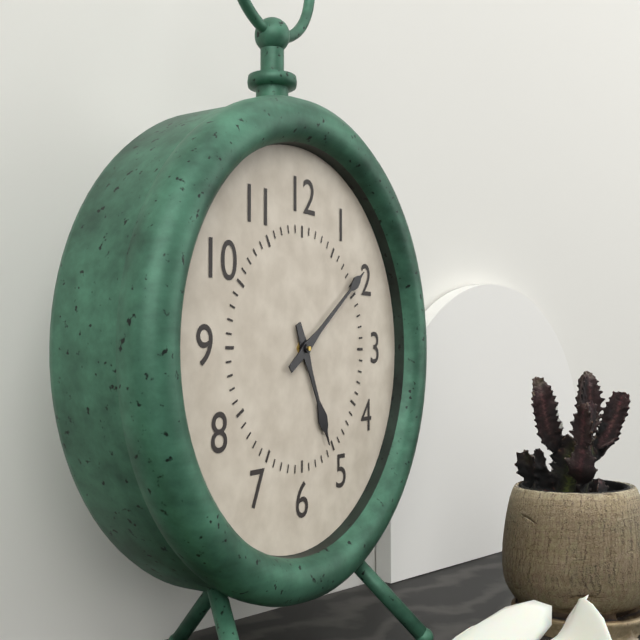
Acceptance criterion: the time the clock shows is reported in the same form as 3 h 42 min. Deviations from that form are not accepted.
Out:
5 h 09 min
